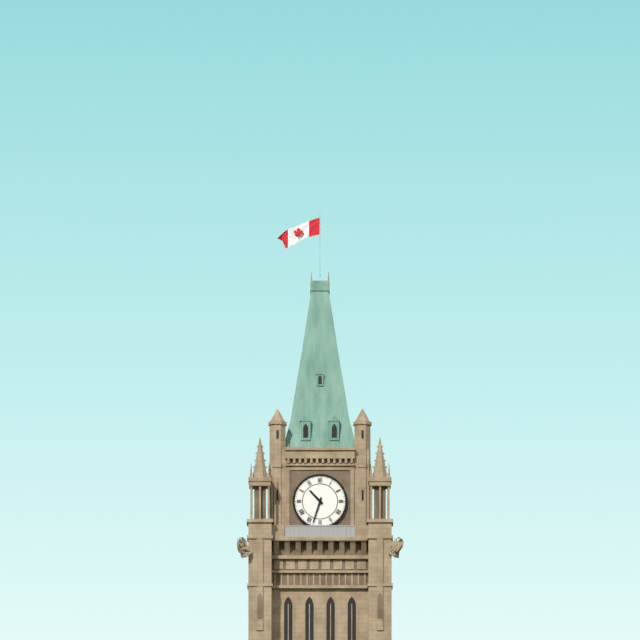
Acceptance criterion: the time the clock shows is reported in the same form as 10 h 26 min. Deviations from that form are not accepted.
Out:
10 h 33 min
